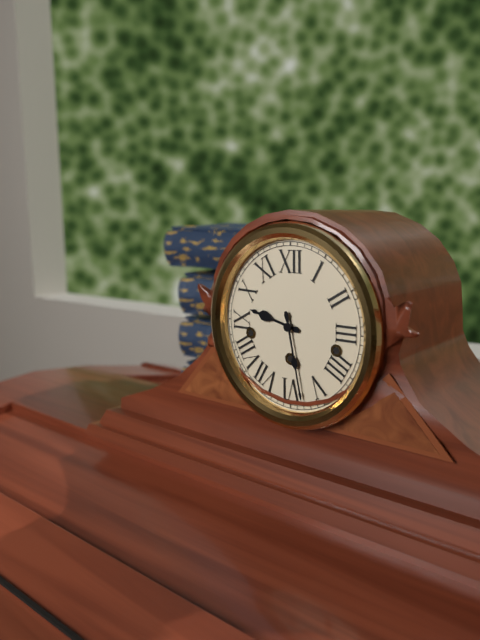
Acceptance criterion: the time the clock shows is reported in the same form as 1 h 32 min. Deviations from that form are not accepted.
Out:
9 h 28 min
